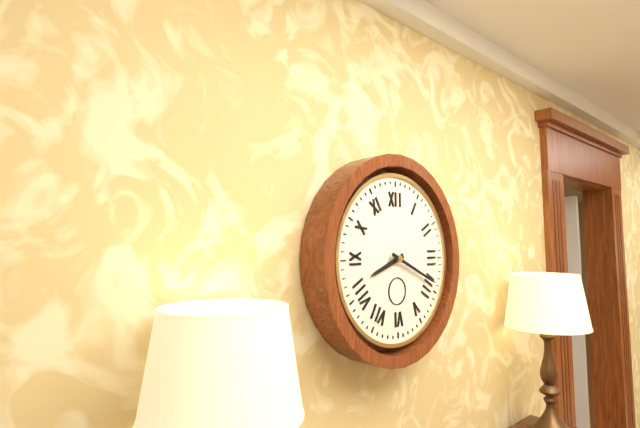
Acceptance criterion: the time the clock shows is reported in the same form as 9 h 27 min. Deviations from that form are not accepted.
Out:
8 h 19 min
